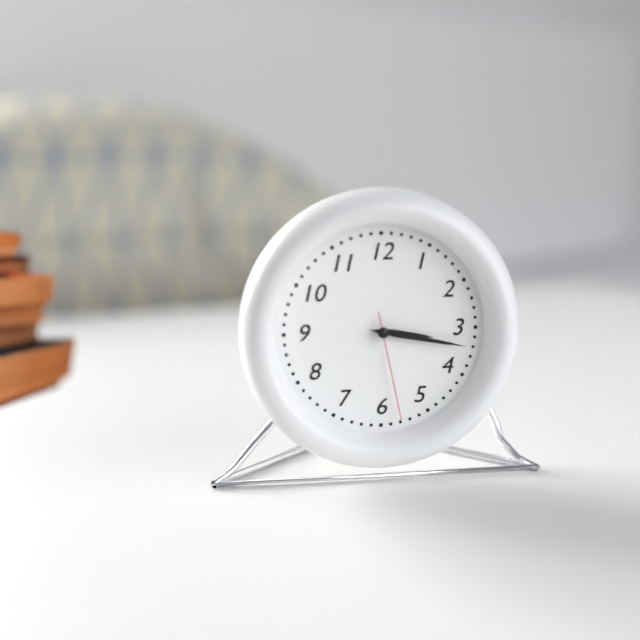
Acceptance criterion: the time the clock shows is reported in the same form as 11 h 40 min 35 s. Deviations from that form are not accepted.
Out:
3 h 17 min 28 s
